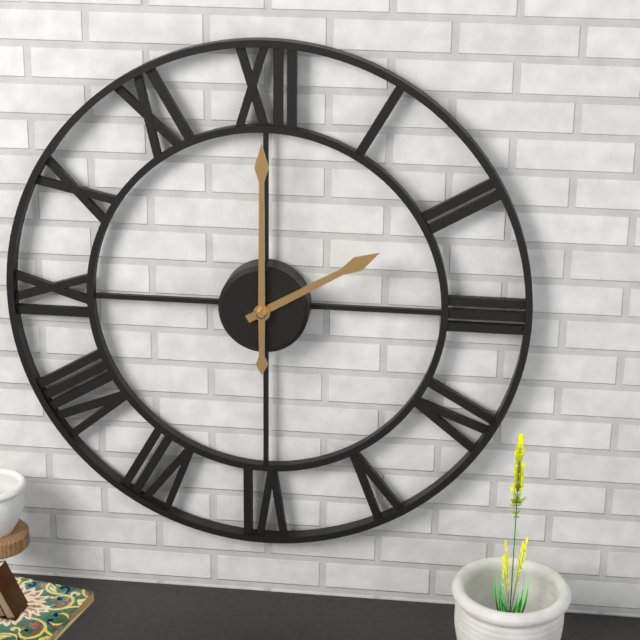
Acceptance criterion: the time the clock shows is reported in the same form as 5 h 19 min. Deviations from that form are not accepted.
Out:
2 h 00 min
